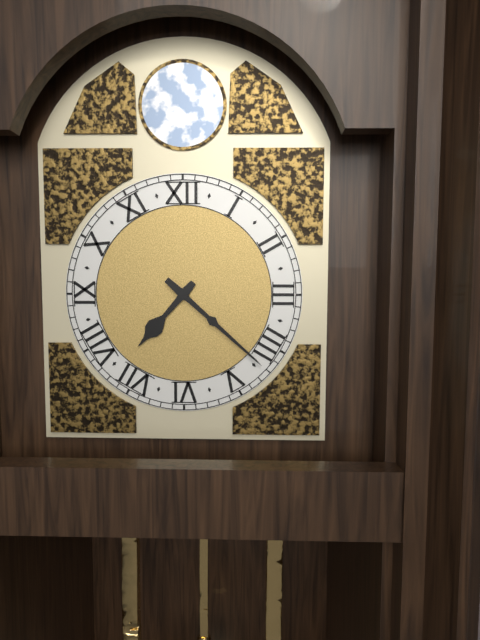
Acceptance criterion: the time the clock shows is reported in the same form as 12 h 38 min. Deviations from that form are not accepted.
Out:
7 h 22 min
